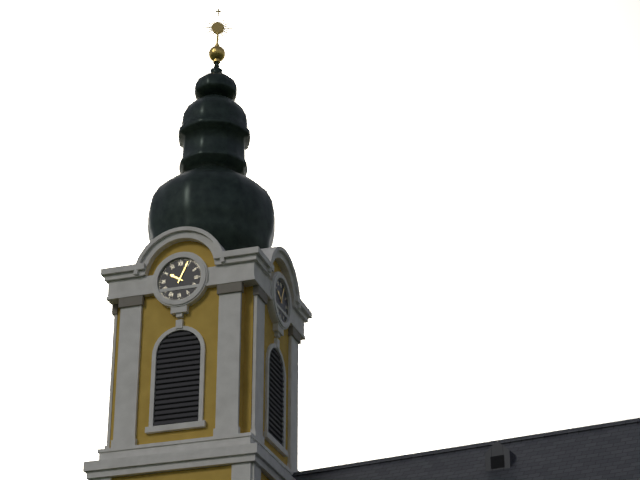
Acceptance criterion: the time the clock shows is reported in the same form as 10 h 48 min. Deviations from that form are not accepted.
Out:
10 h 04 min
